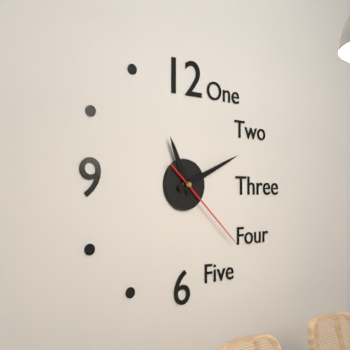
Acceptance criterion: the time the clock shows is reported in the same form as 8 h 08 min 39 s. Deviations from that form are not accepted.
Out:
11 h 11 min 22 s
